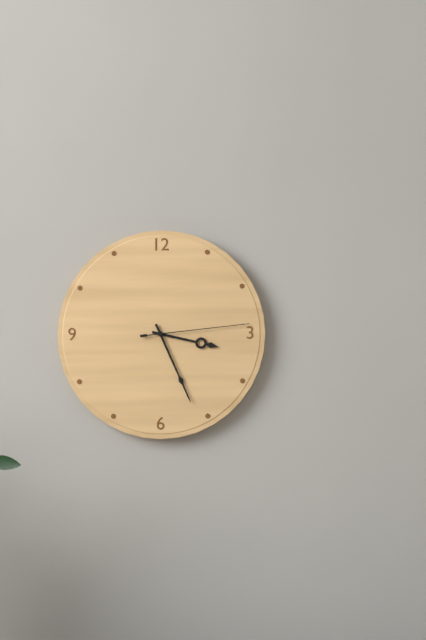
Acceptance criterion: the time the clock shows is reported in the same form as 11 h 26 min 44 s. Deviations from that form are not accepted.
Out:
3 h 26 min 14 s
